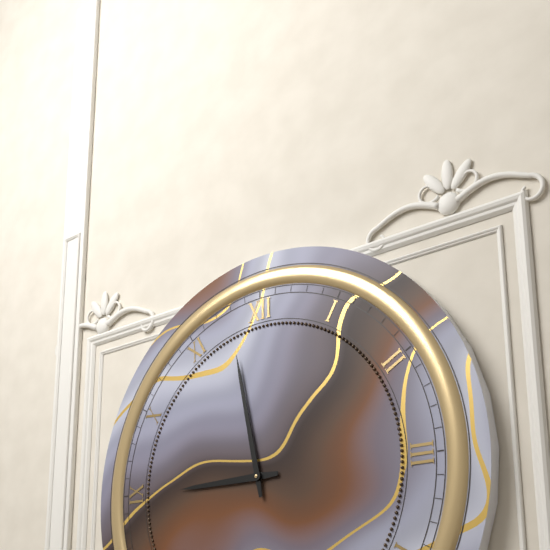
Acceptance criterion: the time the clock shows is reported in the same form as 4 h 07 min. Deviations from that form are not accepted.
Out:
8 h 58 min
